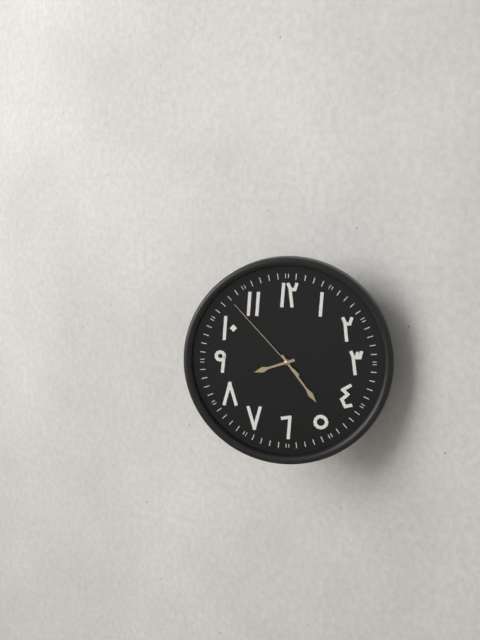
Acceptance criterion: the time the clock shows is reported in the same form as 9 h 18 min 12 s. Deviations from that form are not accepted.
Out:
8 h 24 min 53 s
